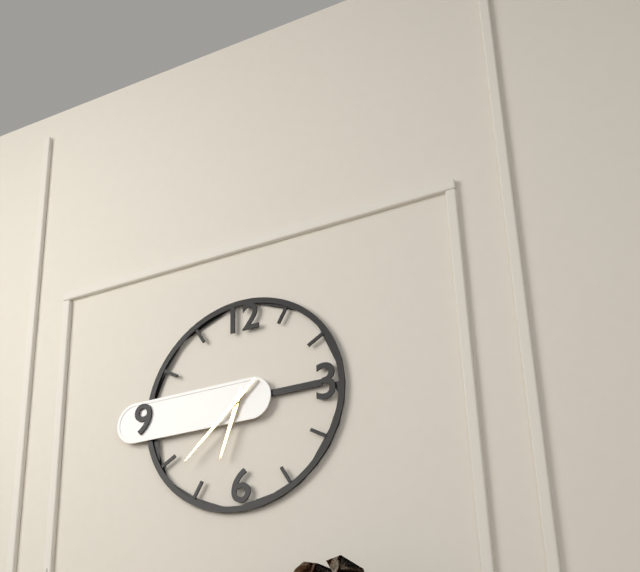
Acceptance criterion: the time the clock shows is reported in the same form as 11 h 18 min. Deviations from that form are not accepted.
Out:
6 h 38 min
